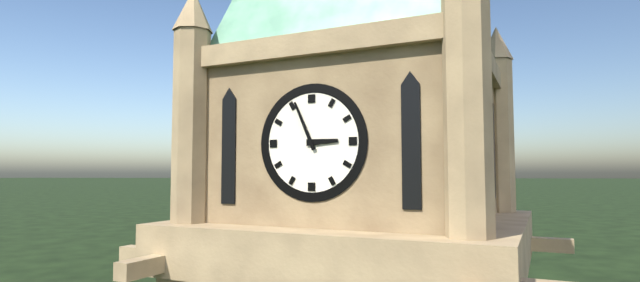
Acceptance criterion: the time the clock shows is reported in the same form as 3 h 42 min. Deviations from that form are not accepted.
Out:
2 h 56 min
